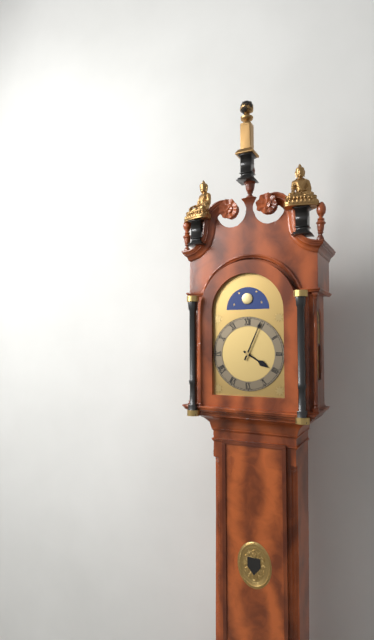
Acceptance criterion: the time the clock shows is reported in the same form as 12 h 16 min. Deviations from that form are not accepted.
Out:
4 h 04 min
